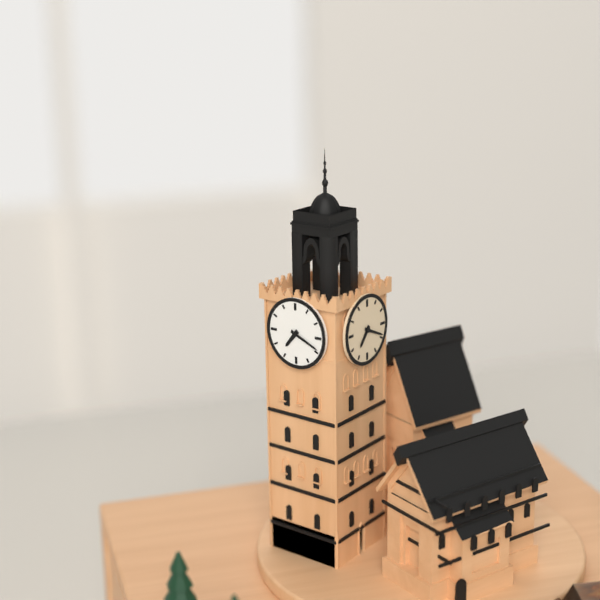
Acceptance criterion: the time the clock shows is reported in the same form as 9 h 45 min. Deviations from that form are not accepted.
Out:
7 h 19 min
